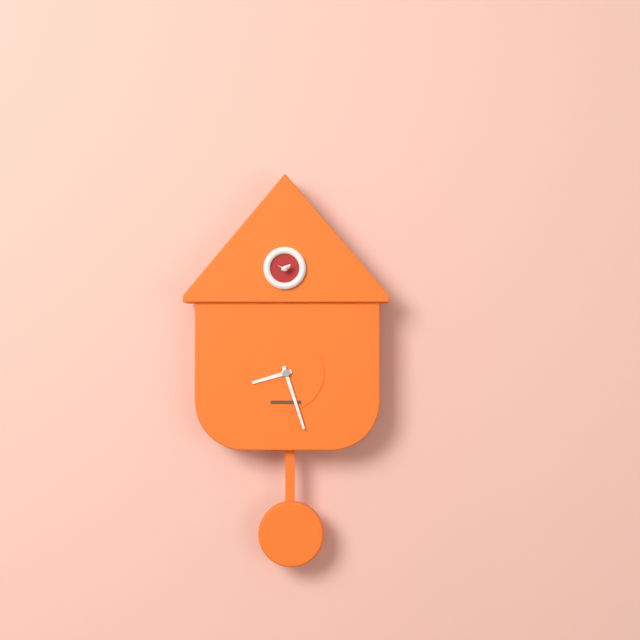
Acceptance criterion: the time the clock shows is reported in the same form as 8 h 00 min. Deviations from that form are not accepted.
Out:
8 h 27 min
